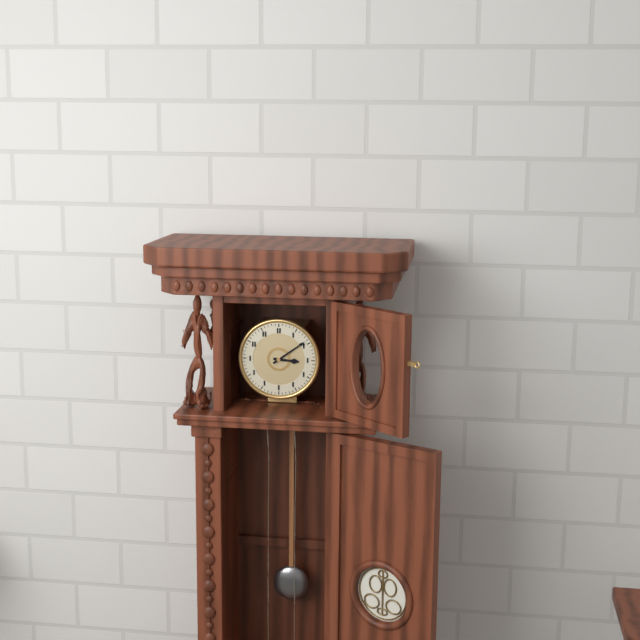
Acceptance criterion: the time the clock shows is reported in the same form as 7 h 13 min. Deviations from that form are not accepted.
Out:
3 h 09 min
